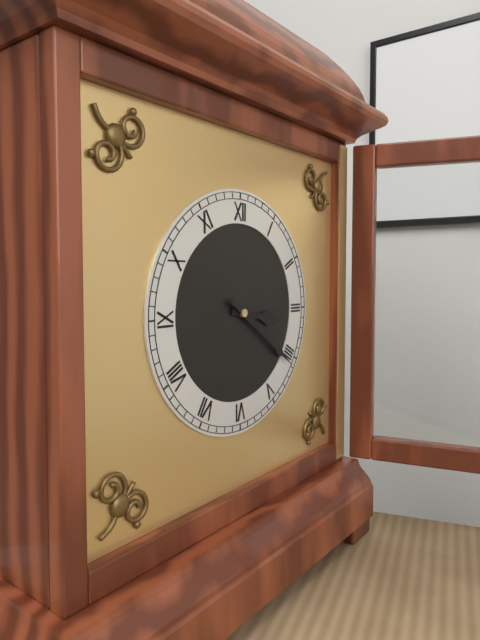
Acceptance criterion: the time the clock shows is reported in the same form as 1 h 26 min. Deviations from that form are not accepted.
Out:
3 h 21 min
